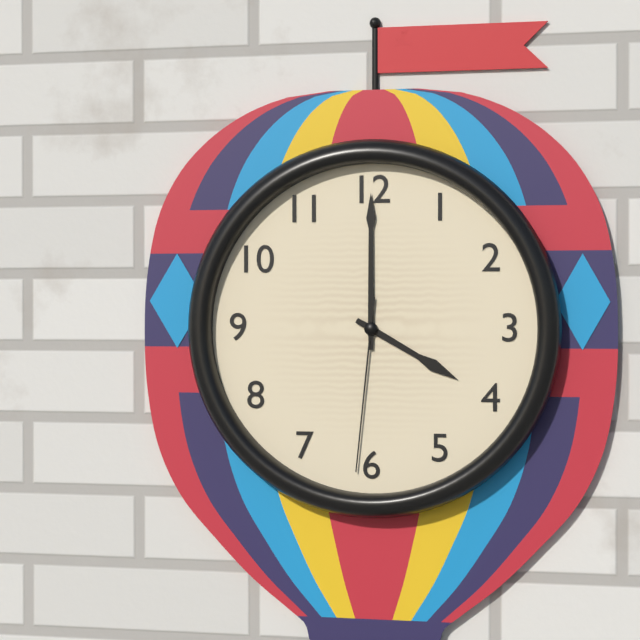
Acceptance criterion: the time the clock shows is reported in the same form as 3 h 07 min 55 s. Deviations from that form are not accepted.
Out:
4 h 00 min 31 s
